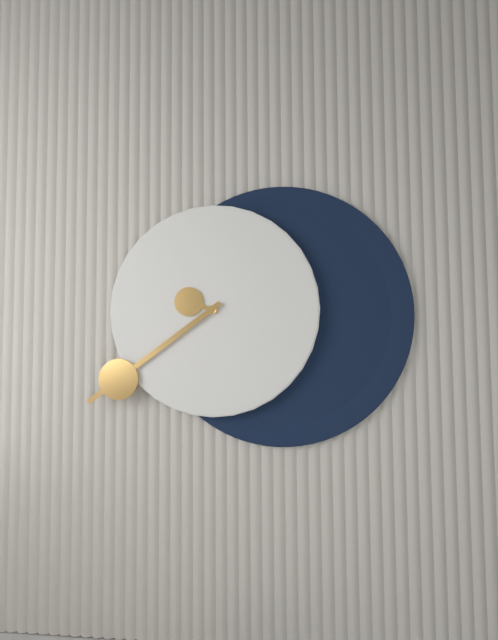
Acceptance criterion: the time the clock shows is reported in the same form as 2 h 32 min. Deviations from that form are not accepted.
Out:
9 h 39 min
